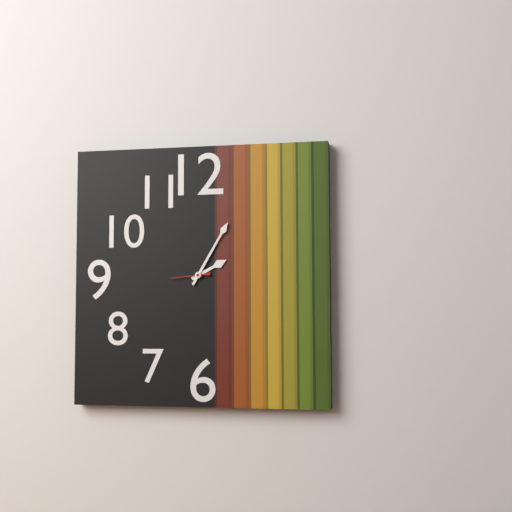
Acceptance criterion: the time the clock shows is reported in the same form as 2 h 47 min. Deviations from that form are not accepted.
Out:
2 h 05 min
